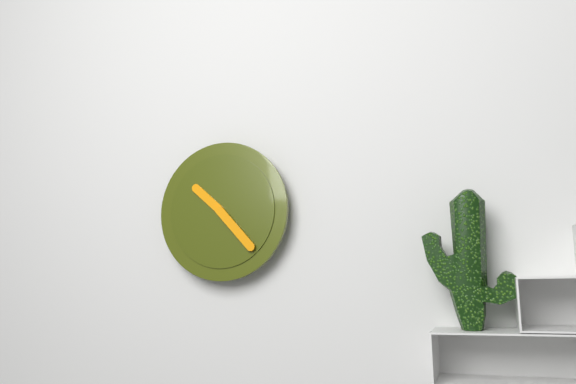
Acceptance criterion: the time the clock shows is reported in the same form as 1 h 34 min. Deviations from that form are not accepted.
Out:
10 h 23 min
